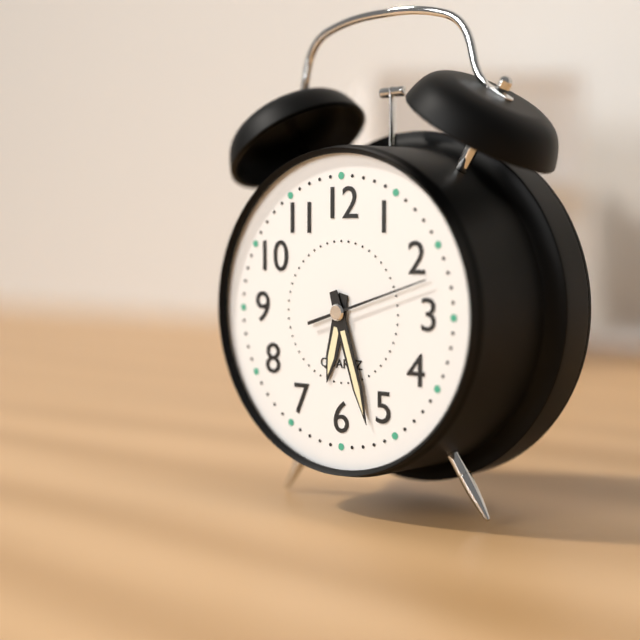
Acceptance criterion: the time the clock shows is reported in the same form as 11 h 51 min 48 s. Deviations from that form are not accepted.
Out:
6 h 27 min 12 s
